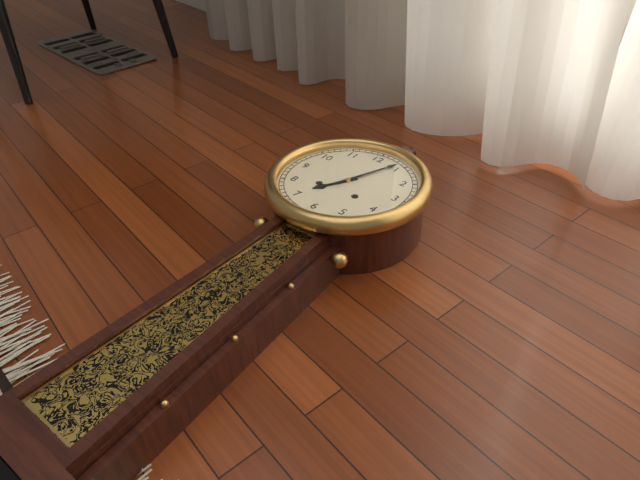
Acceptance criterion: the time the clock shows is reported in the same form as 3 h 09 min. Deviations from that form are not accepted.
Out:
7 h 04 min
